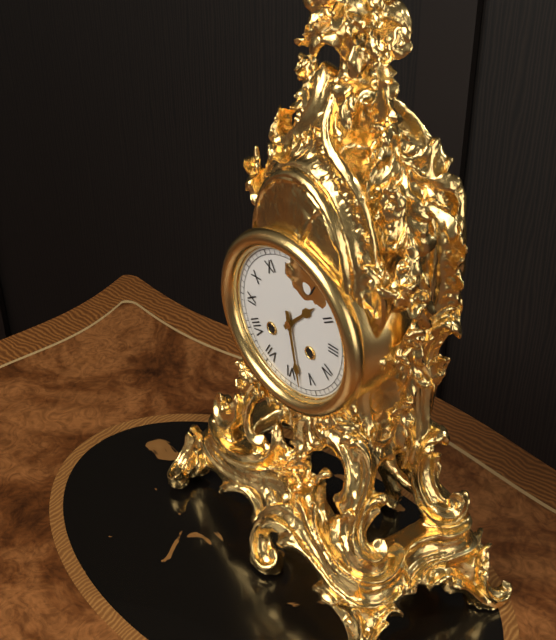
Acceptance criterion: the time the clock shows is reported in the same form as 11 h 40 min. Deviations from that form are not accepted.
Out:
1 h 28 min
